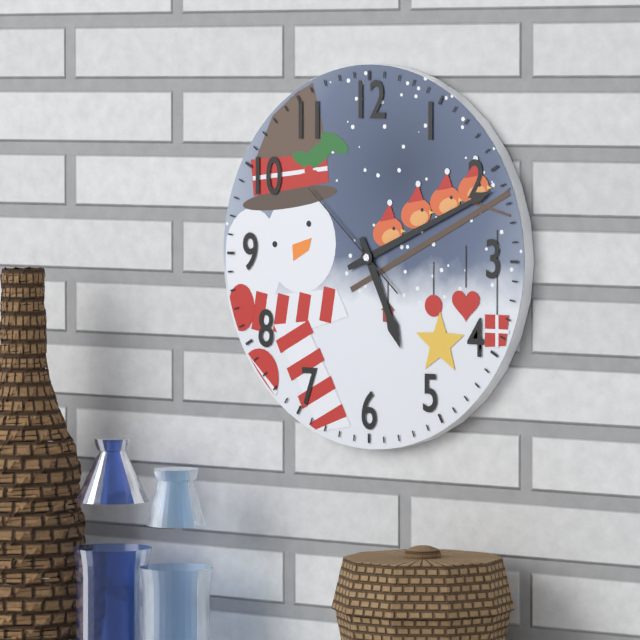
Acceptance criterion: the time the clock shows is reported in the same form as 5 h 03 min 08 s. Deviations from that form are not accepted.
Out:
5 h 11 min 52 s
